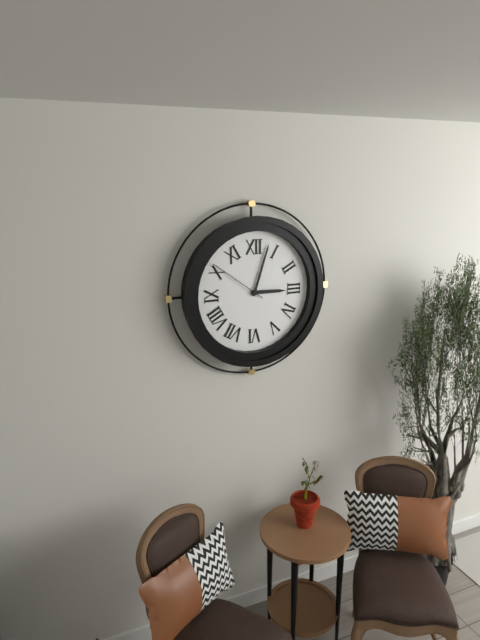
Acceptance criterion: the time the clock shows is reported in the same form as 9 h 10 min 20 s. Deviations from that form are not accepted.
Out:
3 h 03 min 51 s
